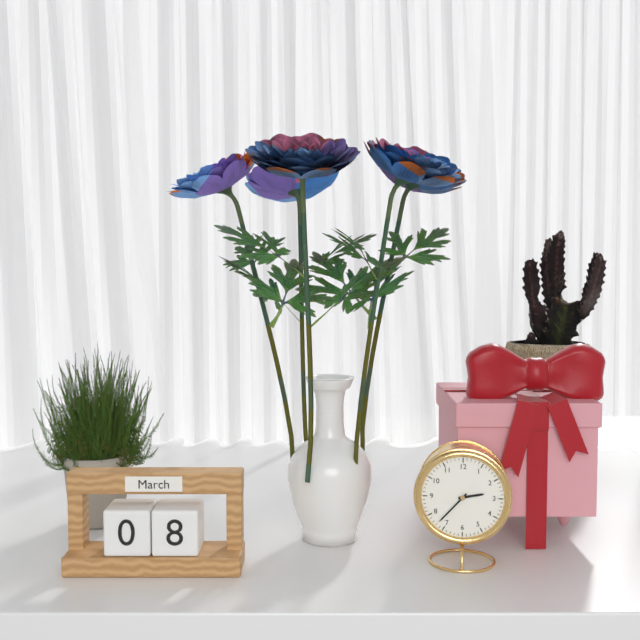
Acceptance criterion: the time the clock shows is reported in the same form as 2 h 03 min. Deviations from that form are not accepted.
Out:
2 h 37 min
